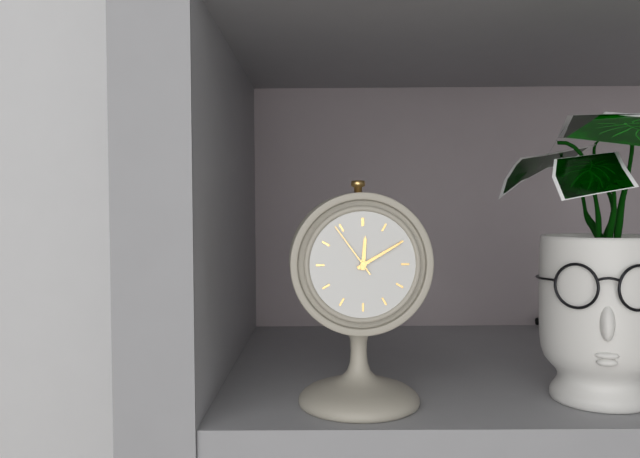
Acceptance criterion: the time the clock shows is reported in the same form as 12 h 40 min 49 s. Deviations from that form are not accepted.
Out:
12 h 10 min 54 s
